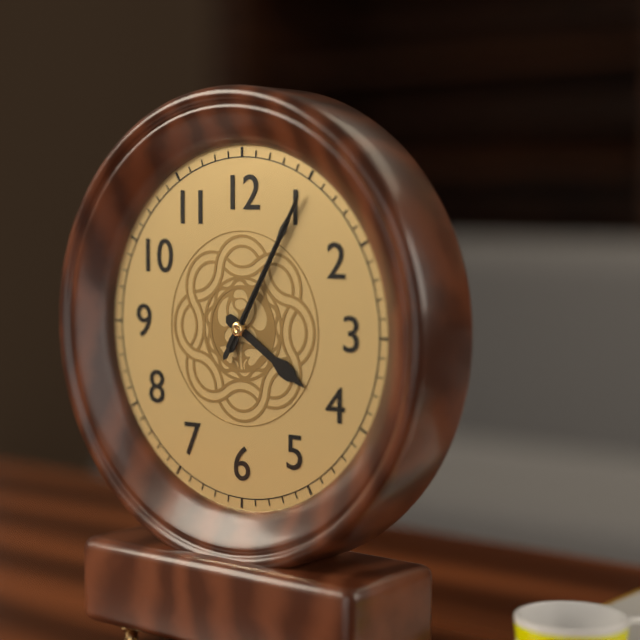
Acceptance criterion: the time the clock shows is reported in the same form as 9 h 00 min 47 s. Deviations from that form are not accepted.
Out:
4 h 05 min 05 s
